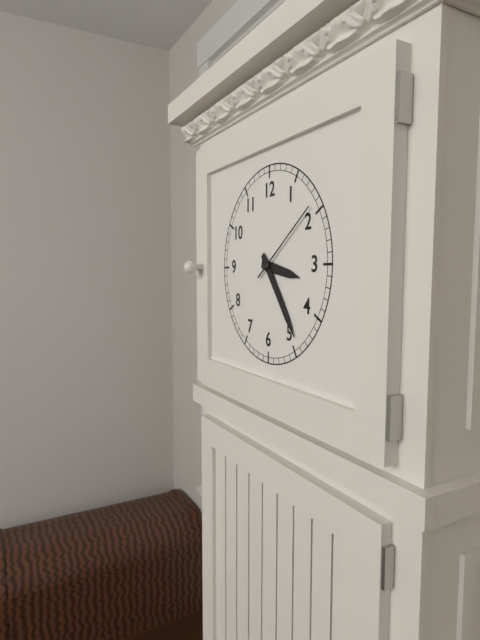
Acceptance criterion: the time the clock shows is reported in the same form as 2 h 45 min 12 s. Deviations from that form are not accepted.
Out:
3 h 24 min 09 s
